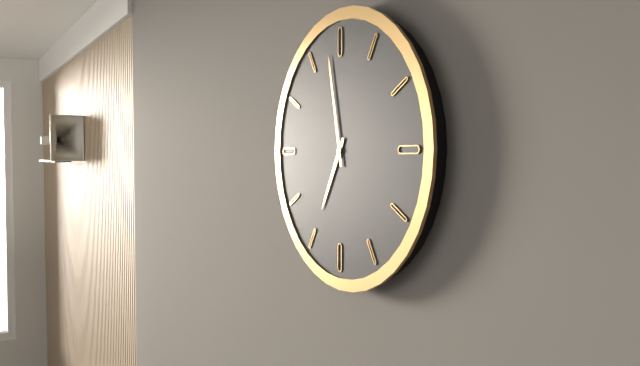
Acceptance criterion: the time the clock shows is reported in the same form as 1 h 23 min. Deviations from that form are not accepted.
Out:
6 h 58 min
